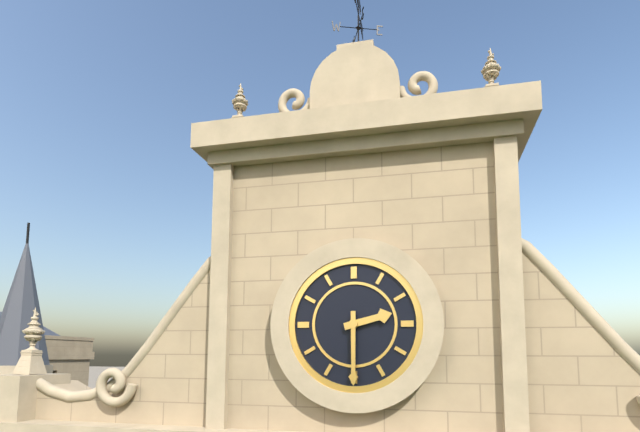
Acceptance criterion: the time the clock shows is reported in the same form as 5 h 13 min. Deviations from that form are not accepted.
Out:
2 h 30 min
